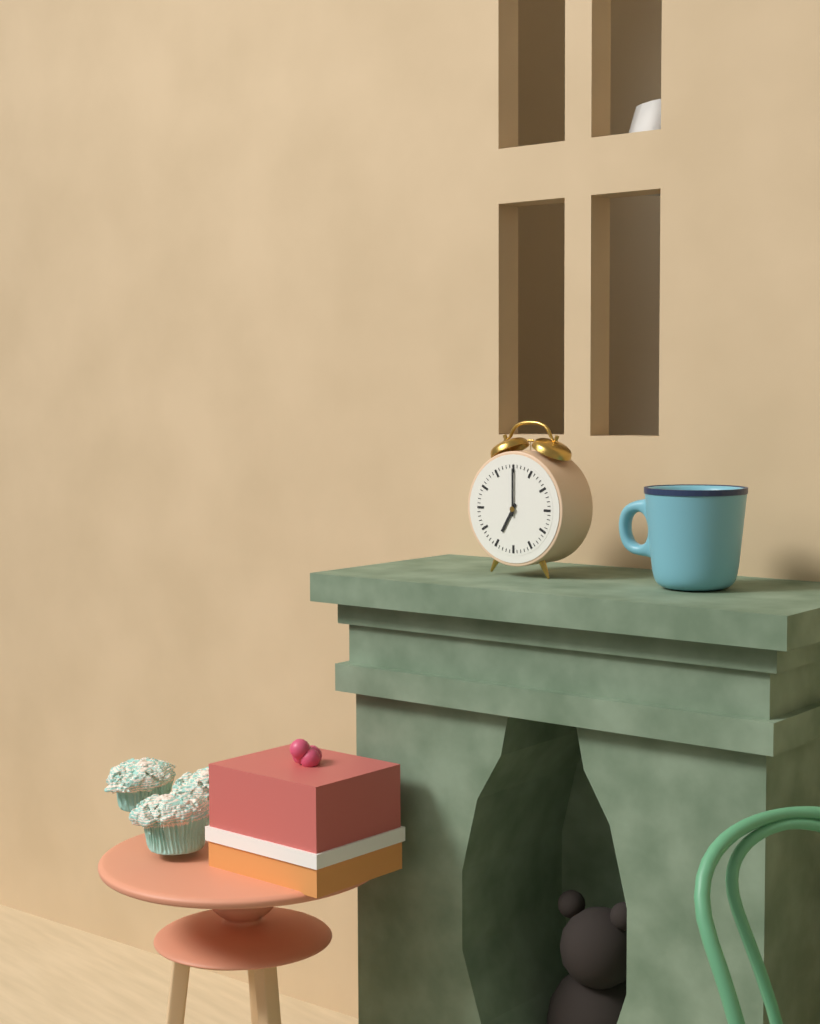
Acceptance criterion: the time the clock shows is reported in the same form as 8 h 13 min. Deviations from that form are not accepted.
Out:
7 h 00 min
